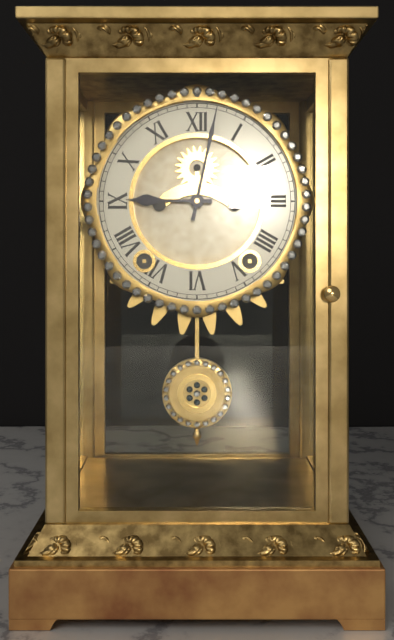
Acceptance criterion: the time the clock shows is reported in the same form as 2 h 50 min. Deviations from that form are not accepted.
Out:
9 h 02 min
